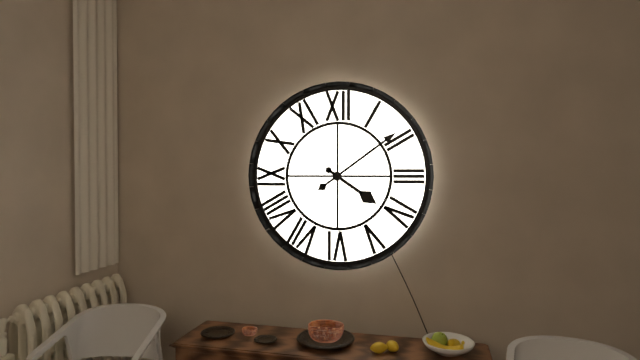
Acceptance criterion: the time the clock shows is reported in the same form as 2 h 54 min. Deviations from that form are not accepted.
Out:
4 h 09 min
